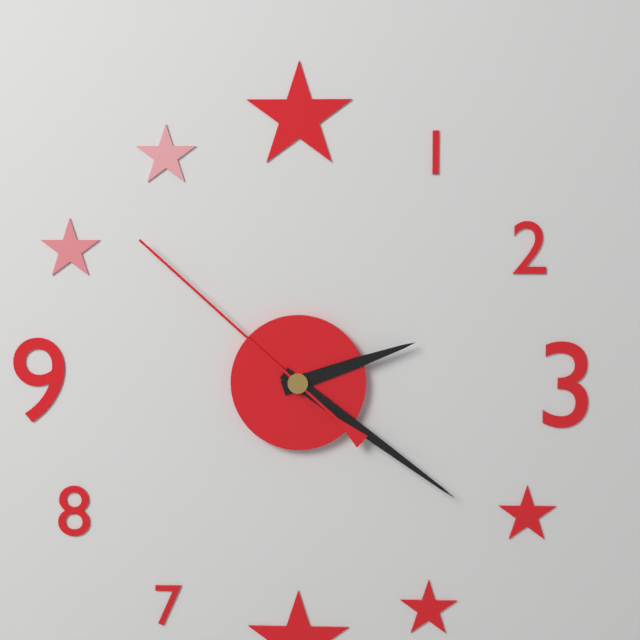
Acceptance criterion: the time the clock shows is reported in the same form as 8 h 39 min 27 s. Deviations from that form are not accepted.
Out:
2 h 21 min 52 s
